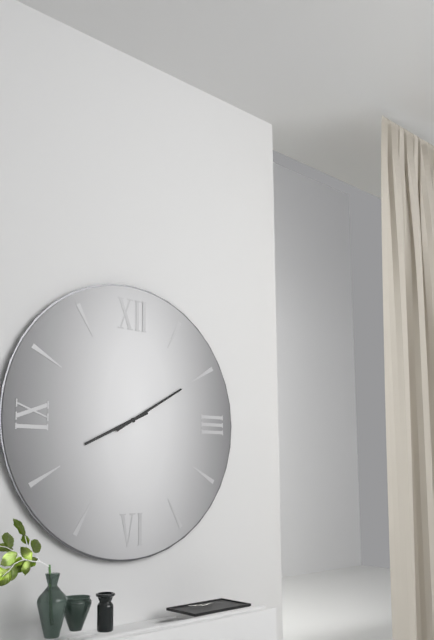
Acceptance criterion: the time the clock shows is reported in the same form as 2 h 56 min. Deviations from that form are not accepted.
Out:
8 h 10 min
